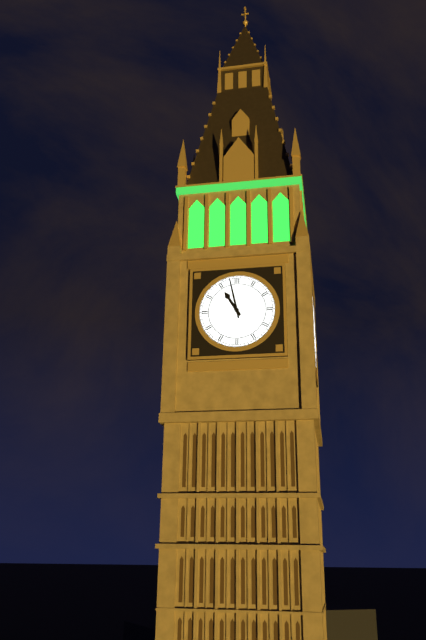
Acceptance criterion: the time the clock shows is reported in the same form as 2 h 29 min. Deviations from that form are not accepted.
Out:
10 h 58 min
